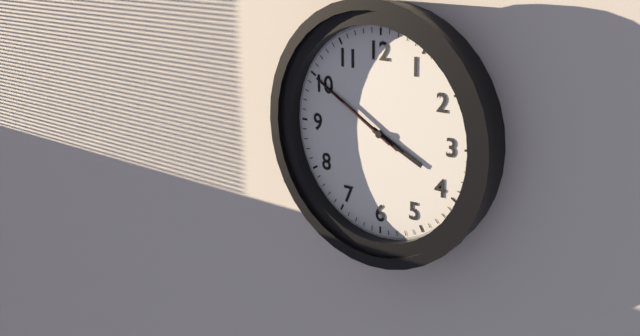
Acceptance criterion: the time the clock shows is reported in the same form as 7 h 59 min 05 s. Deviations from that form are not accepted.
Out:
3 h 50 min 50 s
